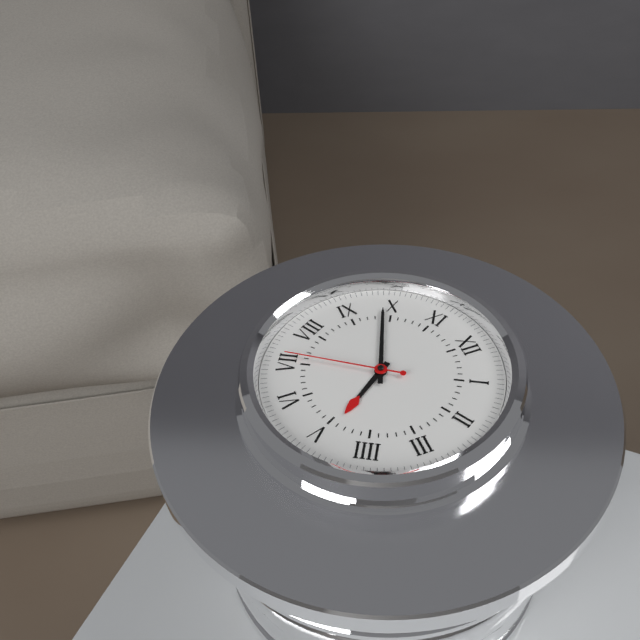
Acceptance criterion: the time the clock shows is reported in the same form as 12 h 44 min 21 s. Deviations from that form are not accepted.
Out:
4 h 49 min 36 s
